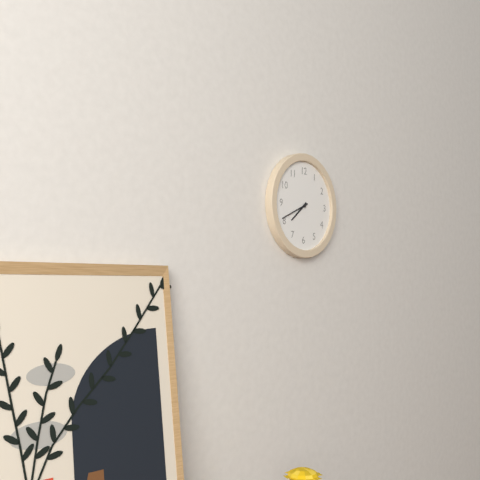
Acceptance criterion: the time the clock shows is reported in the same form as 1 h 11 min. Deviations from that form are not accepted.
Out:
7 h 41 min
